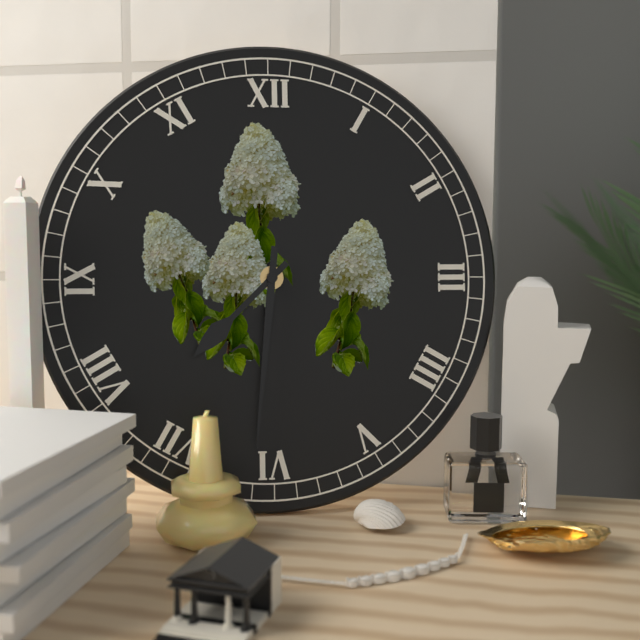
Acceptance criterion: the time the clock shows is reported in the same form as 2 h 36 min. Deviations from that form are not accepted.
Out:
7 h 31 min
